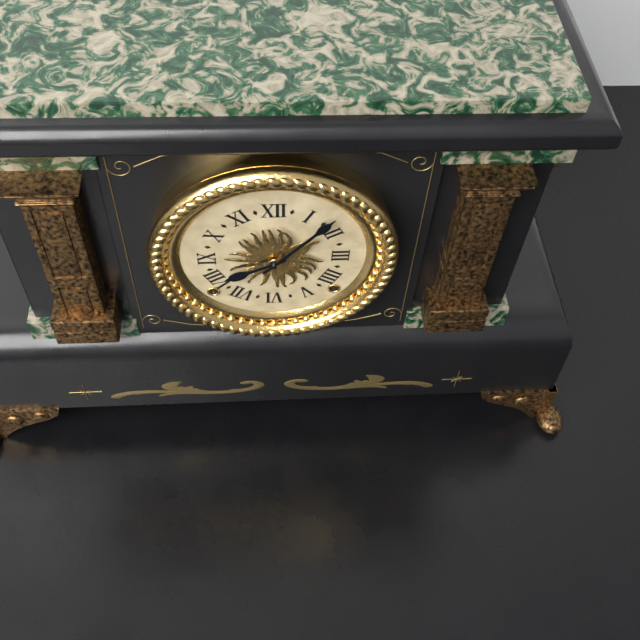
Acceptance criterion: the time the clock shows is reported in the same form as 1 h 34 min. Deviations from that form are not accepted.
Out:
8 h 07 min
